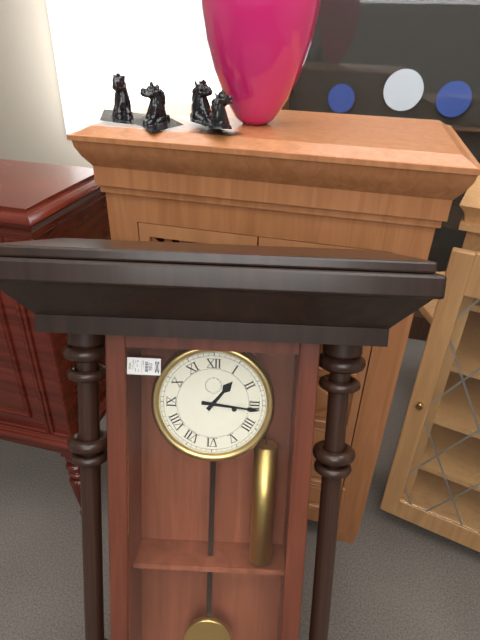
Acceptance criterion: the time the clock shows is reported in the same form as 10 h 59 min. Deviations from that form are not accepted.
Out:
1 h 16 min
